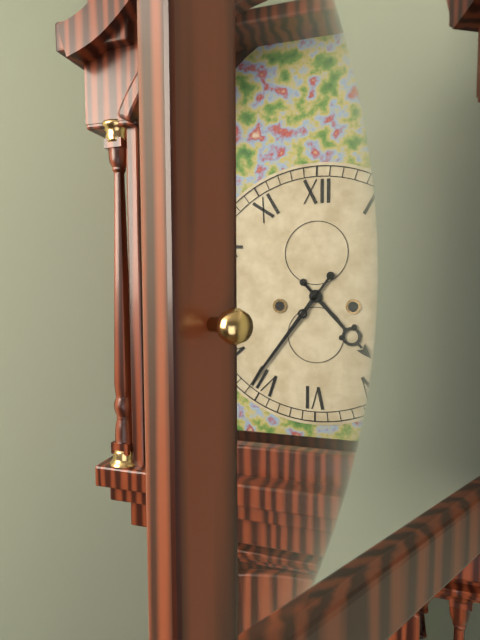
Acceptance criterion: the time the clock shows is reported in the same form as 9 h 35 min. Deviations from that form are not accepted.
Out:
4 h 36 min
